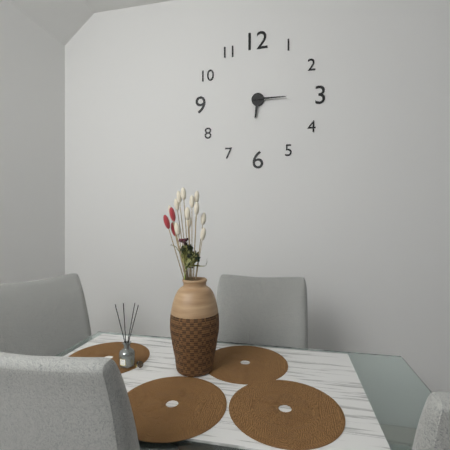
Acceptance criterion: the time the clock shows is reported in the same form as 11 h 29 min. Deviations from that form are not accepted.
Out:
6 h 15 min
